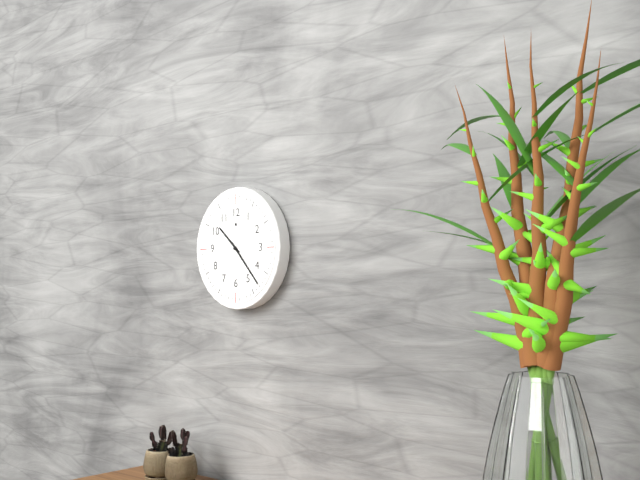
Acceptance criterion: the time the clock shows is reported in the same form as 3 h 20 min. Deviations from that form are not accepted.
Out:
10 h 23 min
